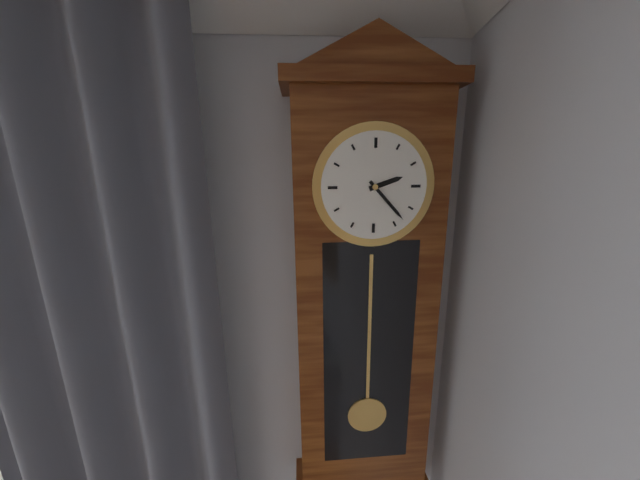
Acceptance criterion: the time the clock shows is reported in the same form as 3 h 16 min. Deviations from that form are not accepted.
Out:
2 h 23 min
